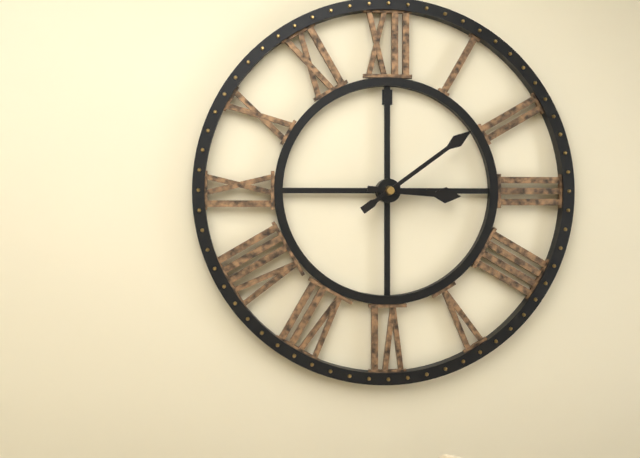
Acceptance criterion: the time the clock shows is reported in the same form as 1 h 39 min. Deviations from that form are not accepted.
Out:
3 h 09 min
